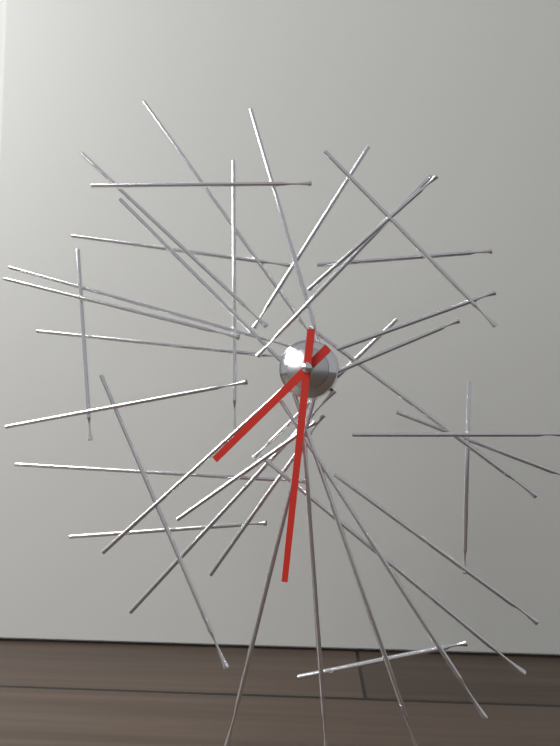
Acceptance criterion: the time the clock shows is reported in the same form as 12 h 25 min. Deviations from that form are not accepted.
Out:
7 h 31 min
